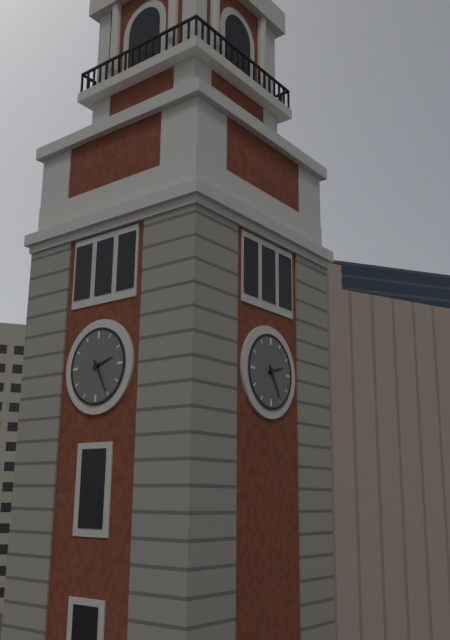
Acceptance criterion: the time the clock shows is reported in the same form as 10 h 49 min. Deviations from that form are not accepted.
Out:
2 h 25 min
